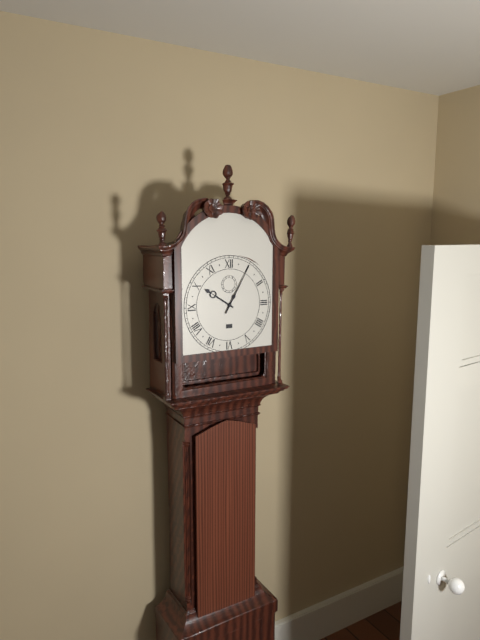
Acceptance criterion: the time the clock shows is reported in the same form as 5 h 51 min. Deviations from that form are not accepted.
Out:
10 h 05 min
